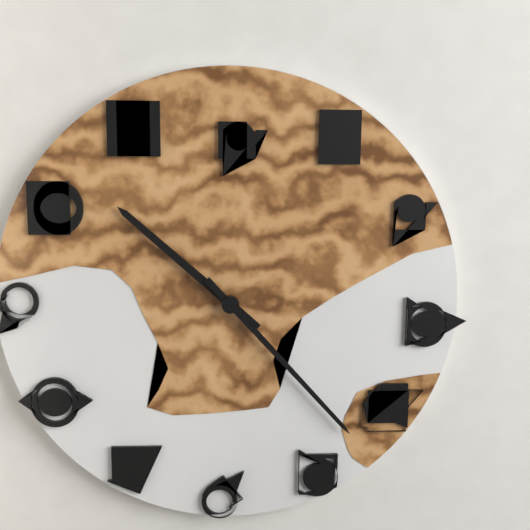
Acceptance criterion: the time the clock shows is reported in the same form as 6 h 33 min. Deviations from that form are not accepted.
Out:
10 h 23 min
